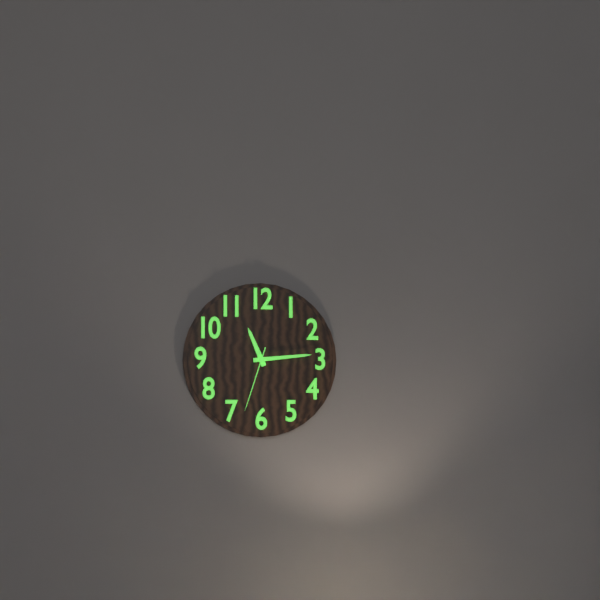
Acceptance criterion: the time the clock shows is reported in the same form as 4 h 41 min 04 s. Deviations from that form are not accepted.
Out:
11 h 14 min 33 s
